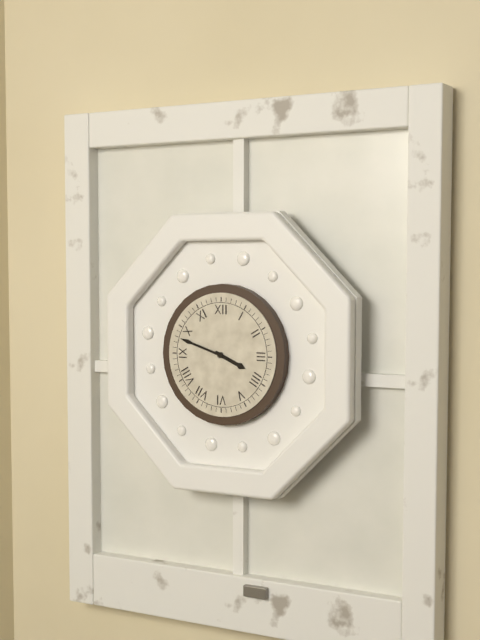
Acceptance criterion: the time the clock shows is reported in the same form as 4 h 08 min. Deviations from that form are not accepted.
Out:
3 h 48 min
